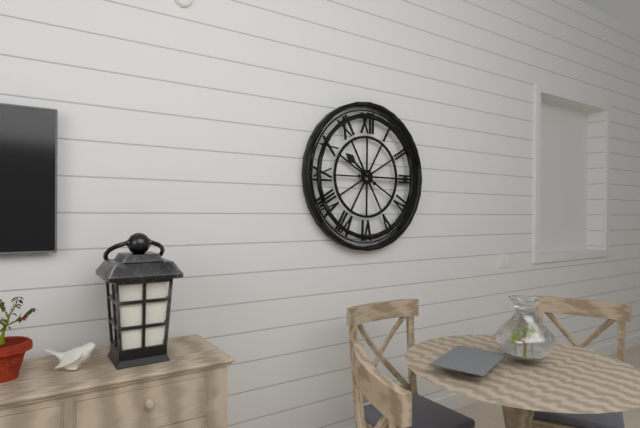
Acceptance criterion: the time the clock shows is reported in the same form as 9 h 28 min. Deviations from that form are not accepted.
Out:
10 h 15 min
